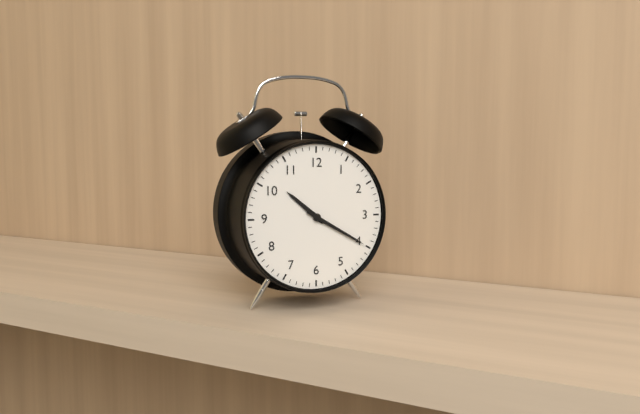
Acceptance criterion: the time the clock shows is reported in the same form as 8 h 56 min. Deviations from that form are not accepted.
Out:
10 h 20 min
